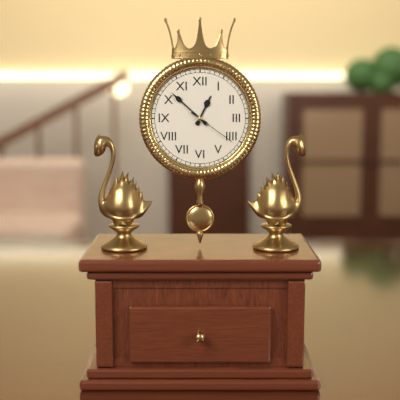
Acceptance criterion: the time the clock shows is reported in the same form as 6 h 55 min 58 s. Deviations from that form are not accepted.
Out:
12 h 52 min 21 s
